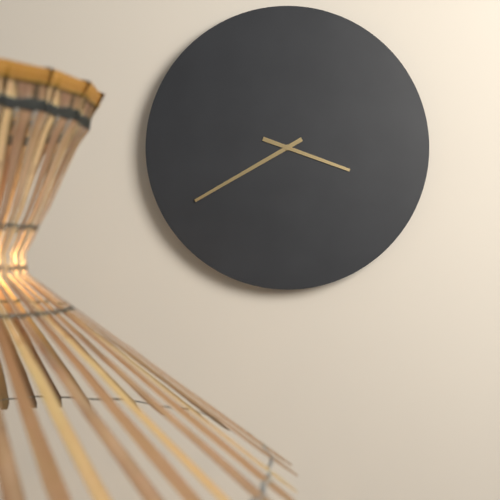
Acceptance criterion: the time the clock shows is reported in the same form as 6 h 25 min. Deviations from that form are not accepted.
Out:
3 h 40 min
